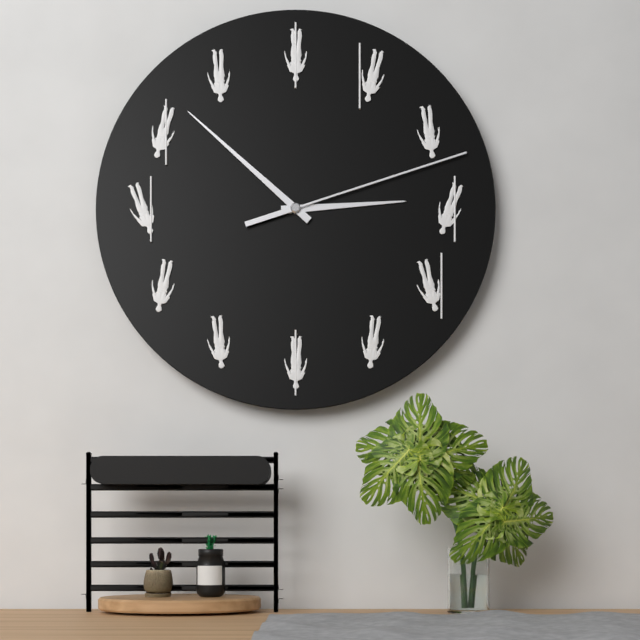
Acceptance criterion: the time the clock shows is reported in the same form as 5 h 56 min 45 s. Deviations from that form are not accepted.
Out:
2 h 52 min 12 s
